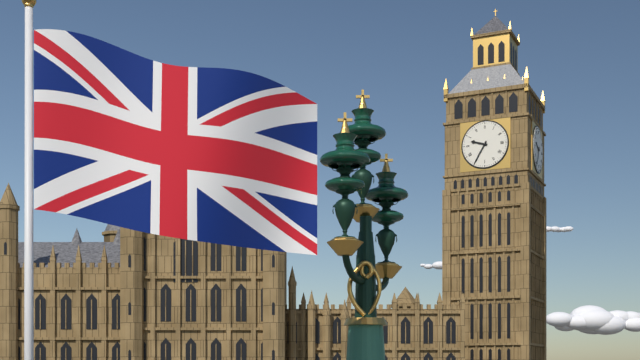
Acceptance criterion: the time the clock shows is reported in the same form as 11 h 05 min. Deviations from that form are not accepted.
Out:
9 h 35 min
